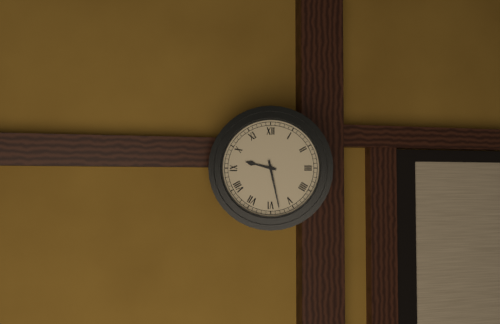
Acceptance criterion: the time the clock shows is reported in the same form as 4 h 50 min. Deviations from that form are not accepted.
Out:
9 h 28 min
